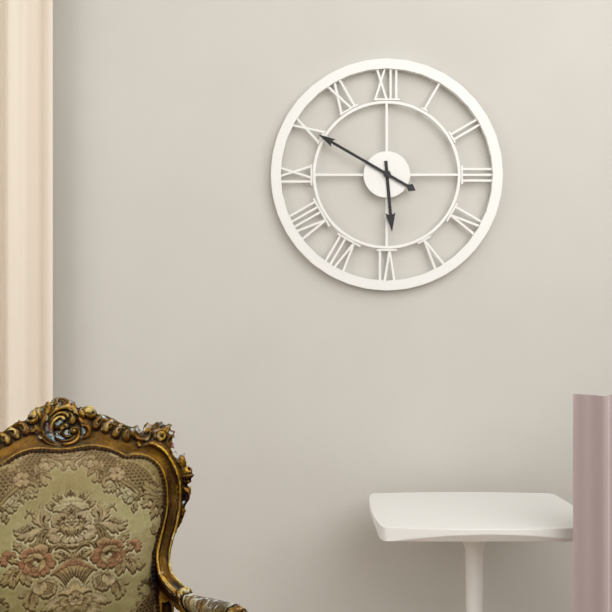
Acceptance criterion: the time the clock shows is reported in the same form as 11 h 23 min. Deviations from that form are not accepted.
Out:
5 h 50 min
